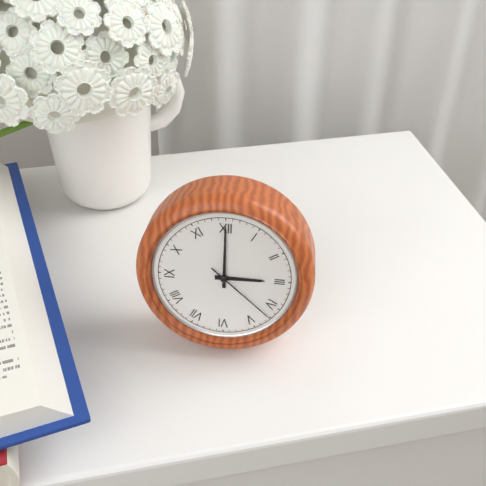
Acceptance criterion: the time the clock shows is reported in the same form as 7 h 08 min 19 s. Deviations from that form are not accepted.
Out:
3 h 00 min 22 s
